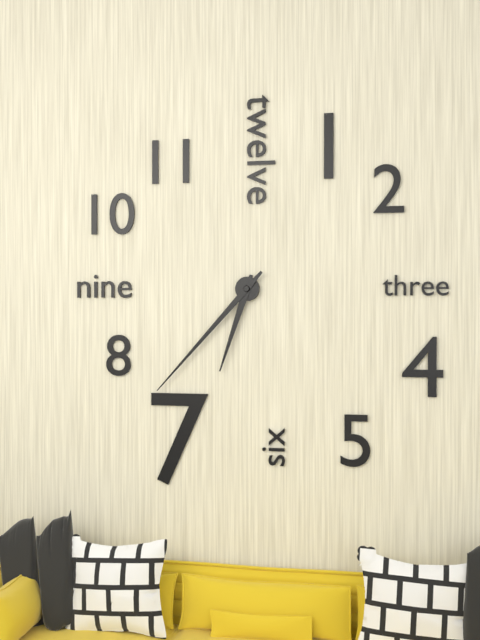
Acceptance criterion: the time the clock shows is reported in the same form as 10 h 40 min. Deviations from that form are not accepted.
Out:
6 h 37 min
